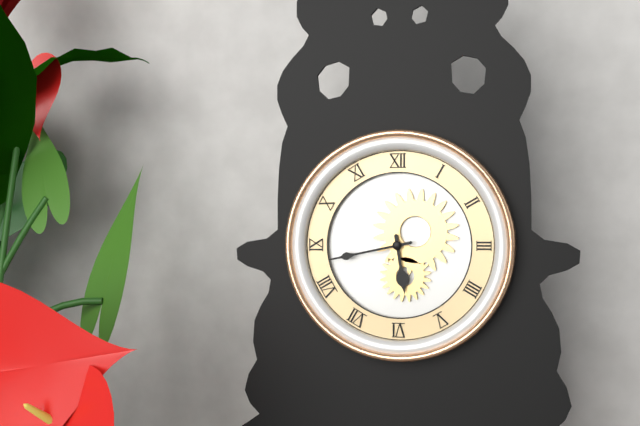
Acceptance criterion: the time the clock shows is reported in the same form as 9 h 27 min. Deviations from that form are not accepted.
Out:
5 h 43 min
